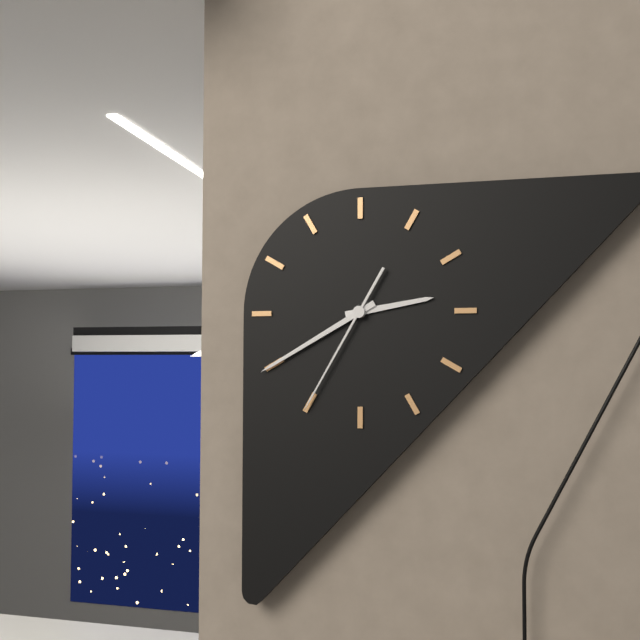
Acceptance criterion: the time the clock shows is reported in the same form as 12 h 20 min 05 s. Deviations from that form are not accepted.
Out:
2 h 40 min 35 s
